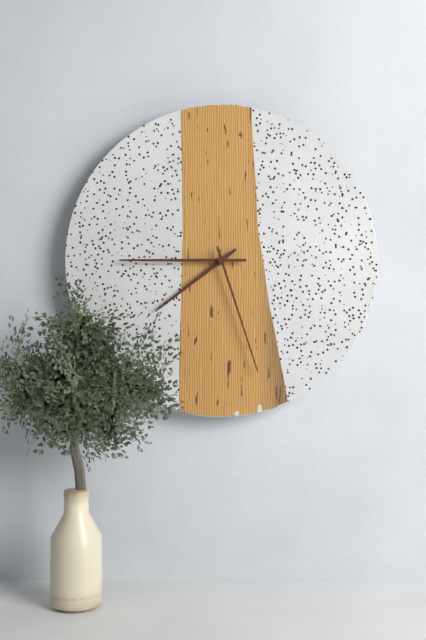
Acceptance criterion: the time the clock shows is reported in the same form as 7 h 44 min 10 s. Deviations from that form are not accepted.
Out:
7 h 45 min 27 s
